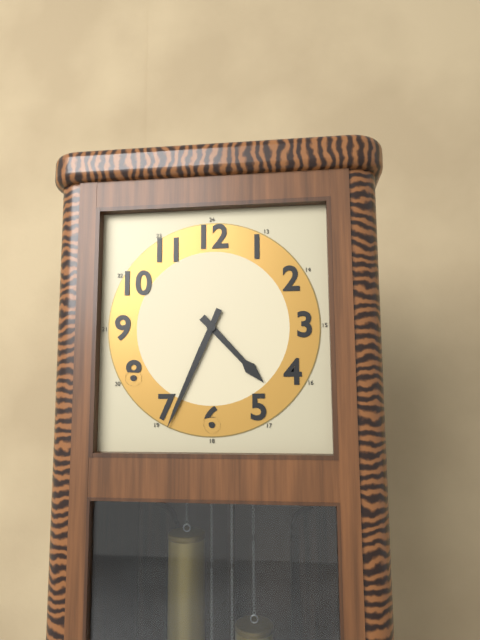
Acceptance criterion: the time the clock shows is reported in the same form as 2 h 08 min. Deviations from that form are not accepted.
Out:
4 h 34 min
